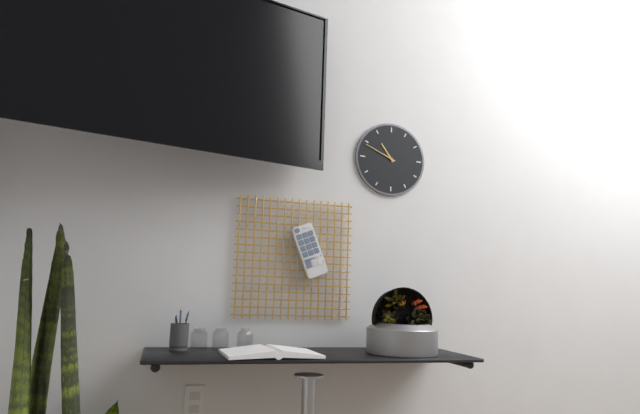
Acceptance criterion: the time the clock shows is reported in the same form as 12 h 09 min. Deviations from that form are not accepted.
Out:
10 h 49 min
